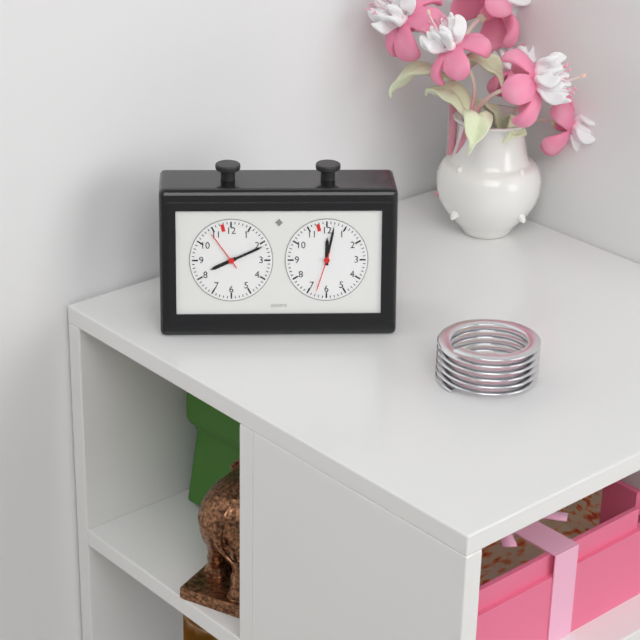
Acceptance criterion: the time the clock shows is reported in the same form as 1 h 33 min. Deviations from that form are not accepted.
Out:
8 h 11 min
